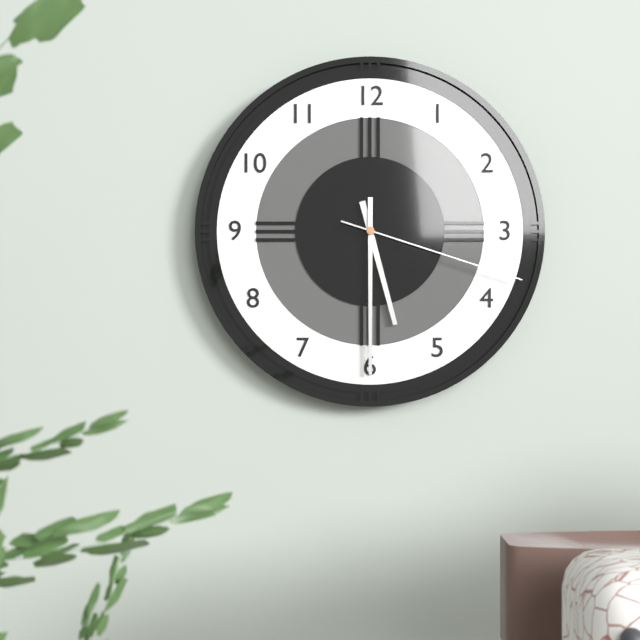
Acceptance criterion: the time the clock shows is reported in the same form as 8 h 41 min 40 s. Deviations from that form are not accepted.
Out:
5 h 30 min 18 s
